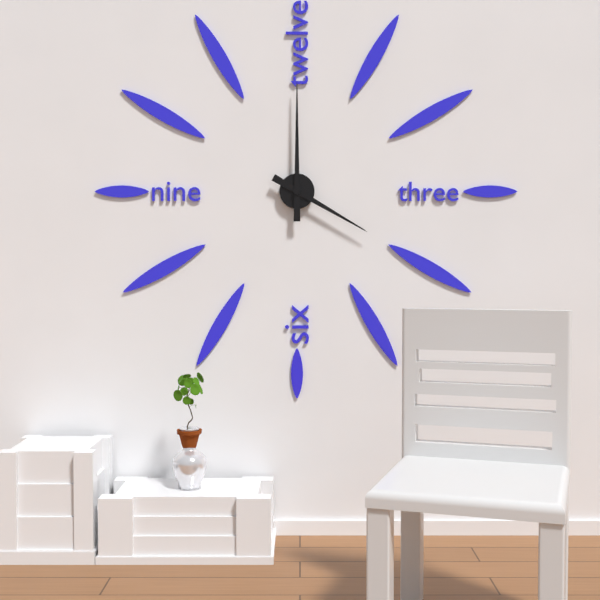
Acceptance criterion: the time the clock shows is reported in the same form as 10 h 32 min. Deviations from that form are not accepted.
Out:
4 h 00 min
